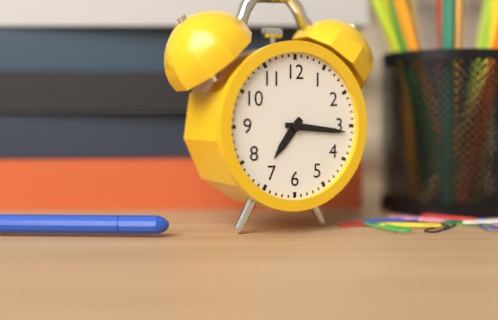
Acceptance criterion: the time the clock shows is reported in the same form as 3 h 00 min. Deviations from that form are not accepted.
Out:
7 h 16 min
